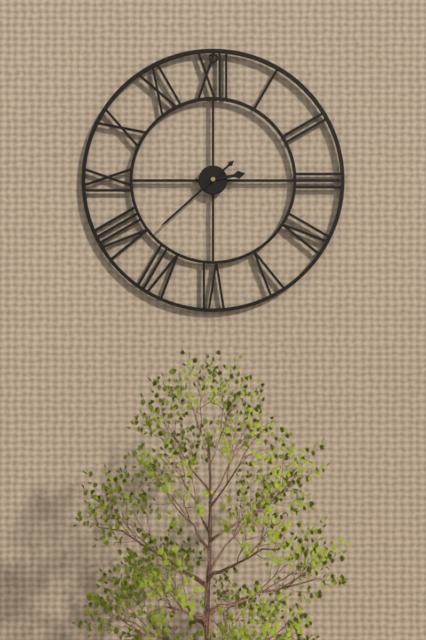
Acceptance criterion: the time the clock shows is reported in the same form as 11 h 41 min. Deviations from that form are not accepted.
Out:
2 h 38 min
